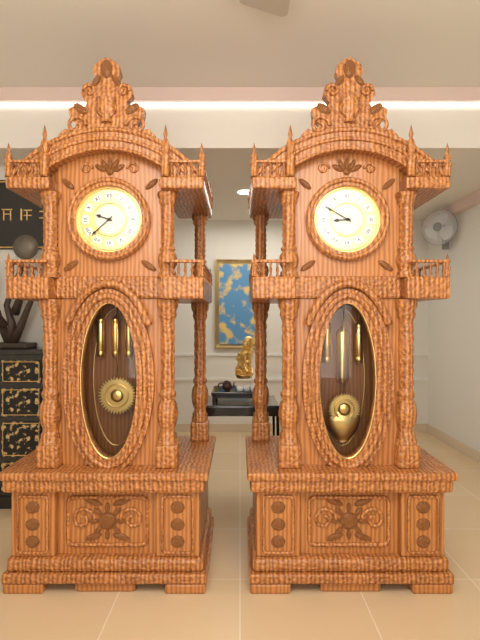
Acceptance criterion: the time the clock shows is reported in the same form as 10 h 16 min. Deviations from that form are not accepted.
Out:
9 h 38 min
